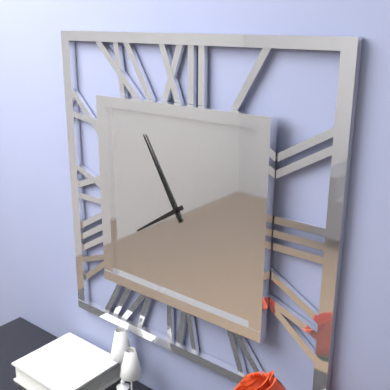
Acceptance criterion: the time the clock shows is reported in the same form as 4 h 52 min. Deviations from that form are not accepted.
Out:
7 h 55 min
